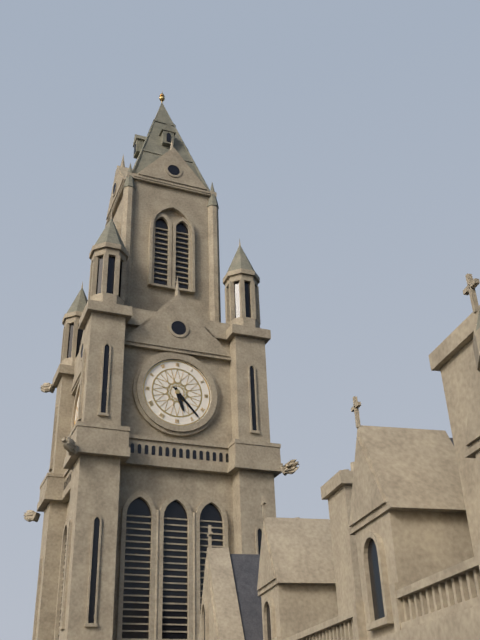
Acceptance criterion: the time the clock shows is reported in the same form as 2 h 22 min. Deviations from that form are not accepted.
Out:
5 h 23 min
